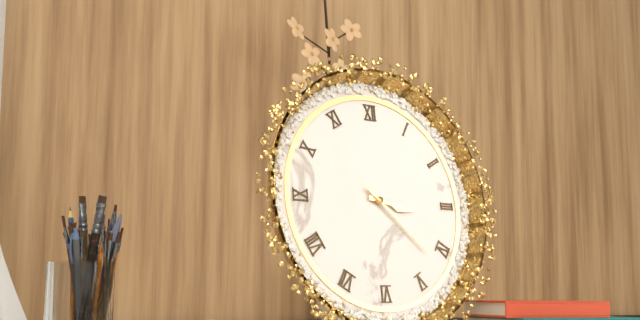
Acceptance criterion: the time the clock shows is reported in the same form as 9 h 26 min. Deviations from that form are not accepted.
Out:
3 h 22 min
